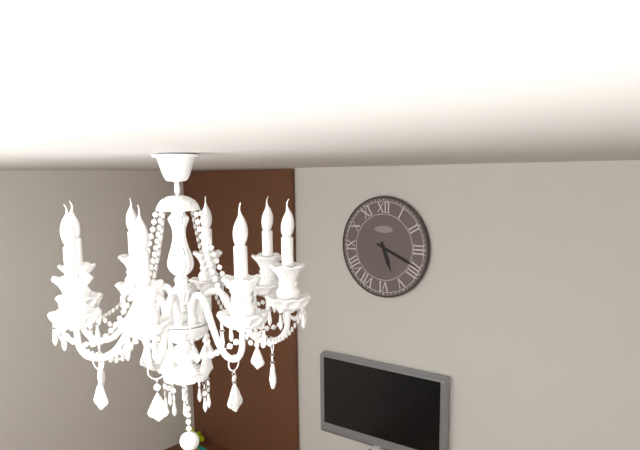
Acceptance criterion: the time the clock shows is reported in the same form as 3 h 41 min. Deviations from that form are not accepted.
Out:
5 h 19 min
